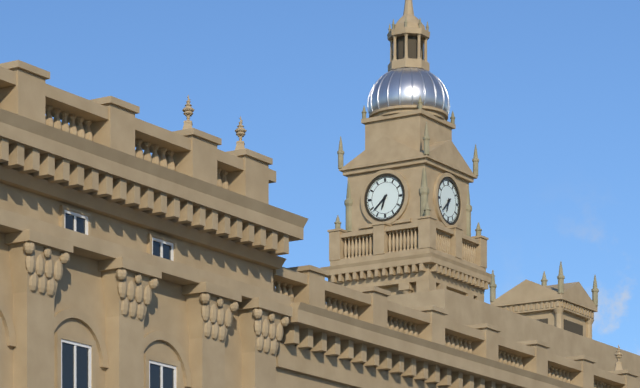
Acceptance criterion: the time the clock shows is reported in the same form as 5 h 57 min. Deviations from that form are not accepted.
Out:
6 h 38 min
